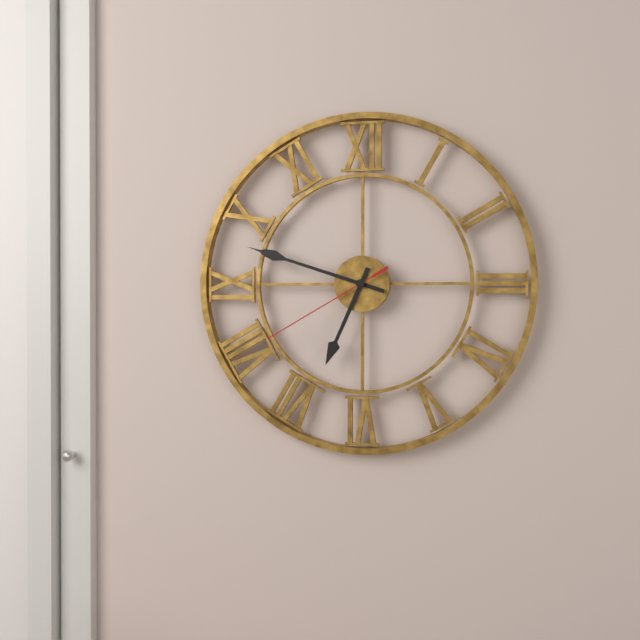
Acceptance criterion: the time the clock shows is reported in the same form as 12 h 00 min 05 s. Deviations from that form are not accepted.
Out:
6 h 48 min 40 s
